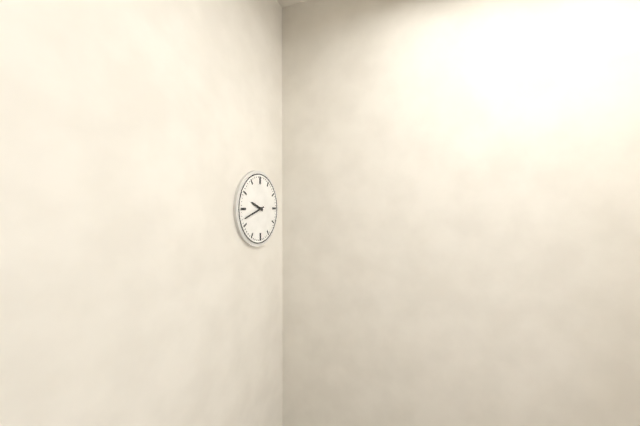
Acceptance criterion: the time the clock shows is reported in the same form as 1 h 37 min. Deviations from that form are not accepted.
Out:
9 h 42 min
